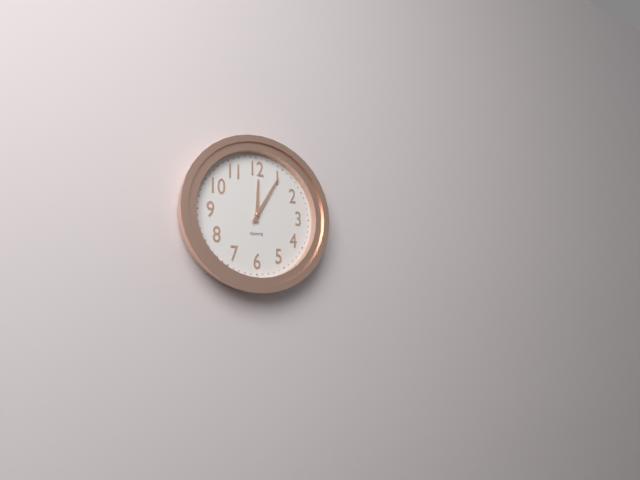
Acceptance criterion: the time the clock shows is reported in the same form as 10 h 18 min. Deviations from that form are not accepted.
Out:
12 h 05 min
